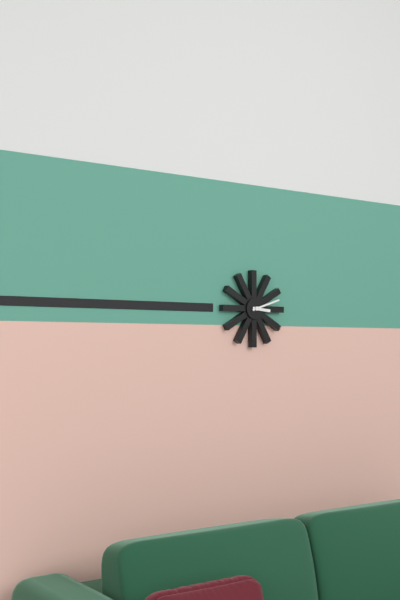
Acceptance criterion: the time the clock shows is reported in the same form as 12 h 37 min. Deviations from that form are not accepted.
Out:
3 h 12 min
